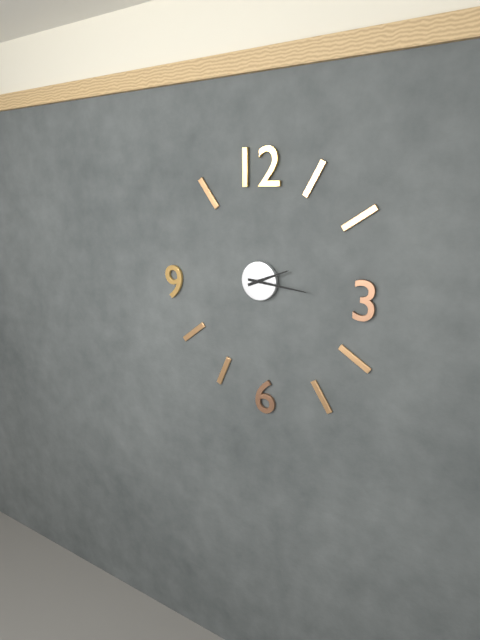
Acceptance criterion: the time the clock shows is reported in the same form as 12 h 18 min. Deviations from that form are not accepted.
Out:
2 h 16 min
